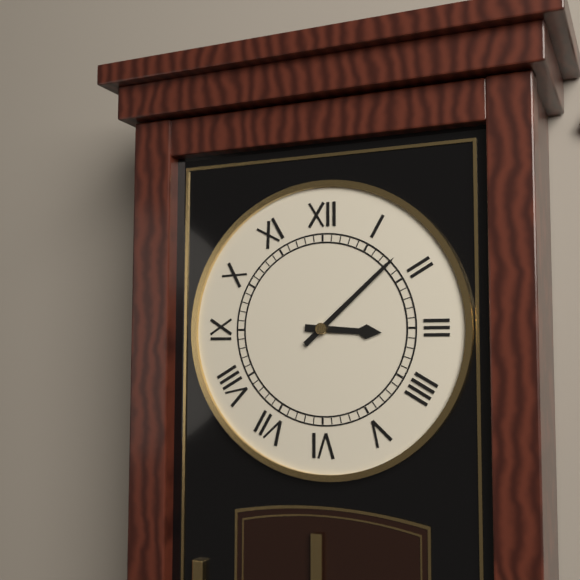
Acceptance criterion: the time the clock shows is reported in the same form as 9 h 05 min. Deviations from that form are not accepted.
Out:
3 h 08 min
